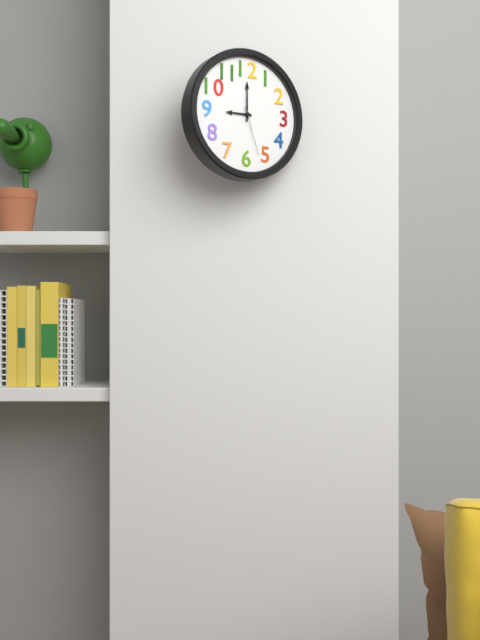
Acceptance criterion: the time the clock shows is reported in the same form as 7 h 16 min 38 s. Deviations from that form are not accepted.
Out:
9 h 00 min 27 s
